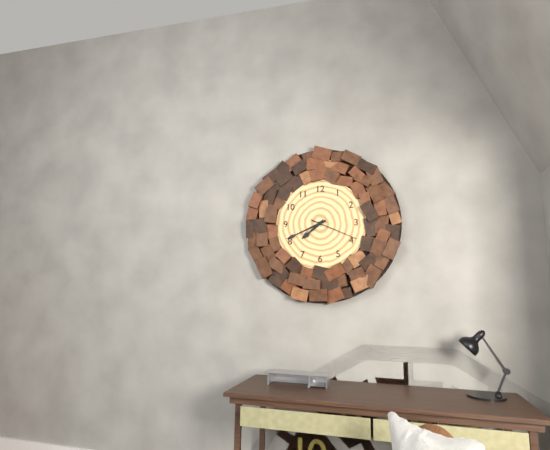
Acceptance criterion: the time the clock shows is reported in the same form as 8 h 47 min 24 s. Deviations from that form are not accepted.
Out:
7 h 41 min 19 s
